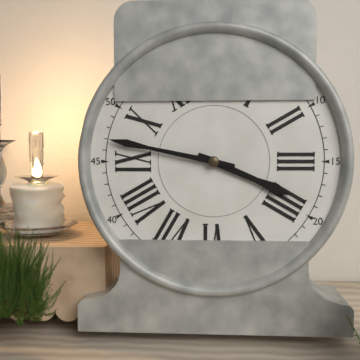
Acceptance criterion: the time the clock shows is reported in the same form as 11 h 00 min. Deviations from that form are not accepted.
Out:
3 h 47 min
